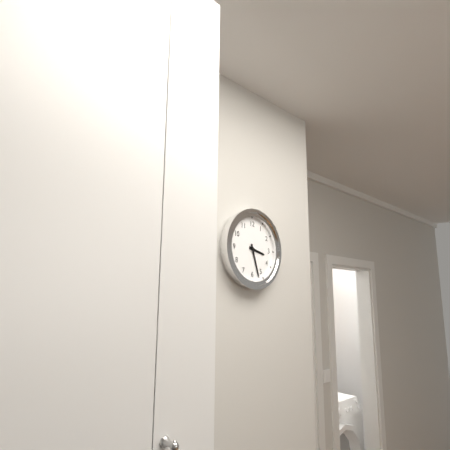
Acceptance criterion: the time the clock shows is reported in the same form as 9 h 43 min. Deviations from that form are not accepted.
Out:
3 h 27 min
